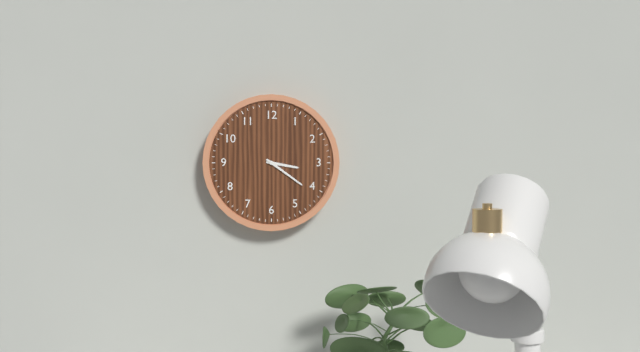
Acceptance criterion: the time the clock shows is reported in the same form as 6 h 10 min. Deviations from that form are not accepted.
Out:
3 h 21 min
